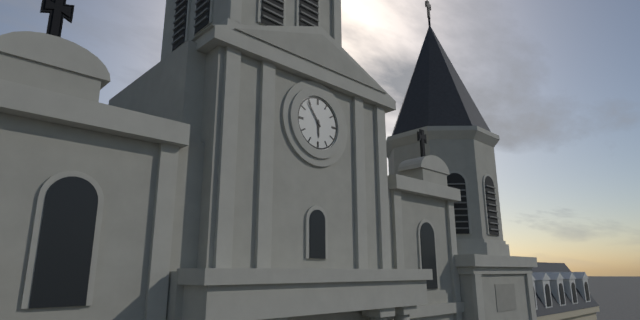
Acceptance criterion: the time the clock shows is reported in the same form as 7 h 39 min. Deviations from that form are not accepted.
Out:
5 h 54 min
